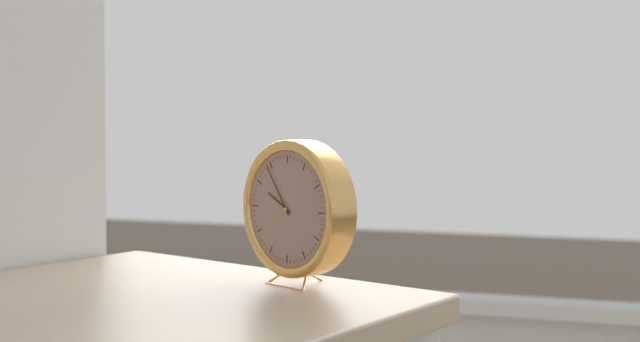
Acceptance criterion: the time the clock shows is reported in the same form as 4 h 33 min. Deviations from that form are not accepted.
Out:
9 h 54 min
